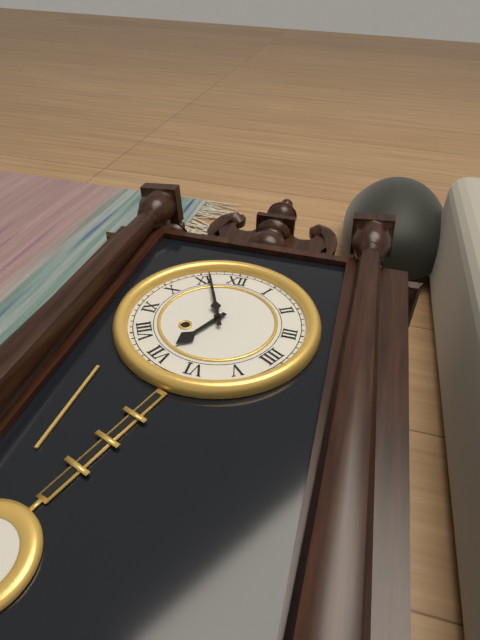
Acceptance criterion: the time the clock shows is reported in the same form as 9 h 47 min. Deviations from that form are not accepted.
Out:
6 h 56 min
